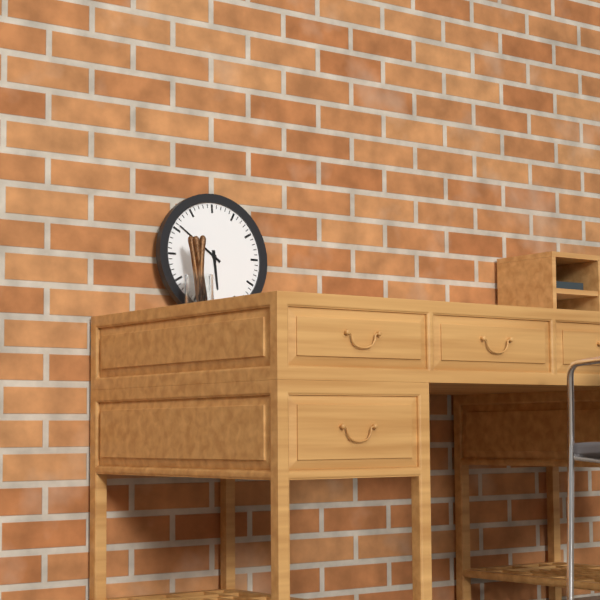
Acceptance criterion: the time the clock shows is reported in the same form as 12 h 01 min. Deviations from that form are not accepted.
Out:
5 h 51 min
